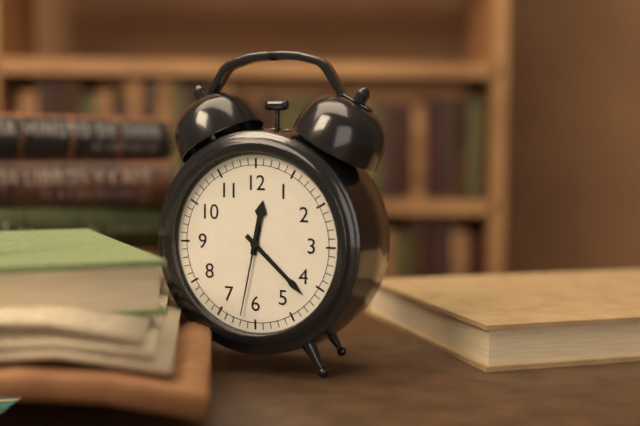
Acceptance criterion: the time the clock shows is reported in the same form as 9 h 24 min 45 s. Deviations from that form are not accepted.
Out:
12 h 22 min 32 s
